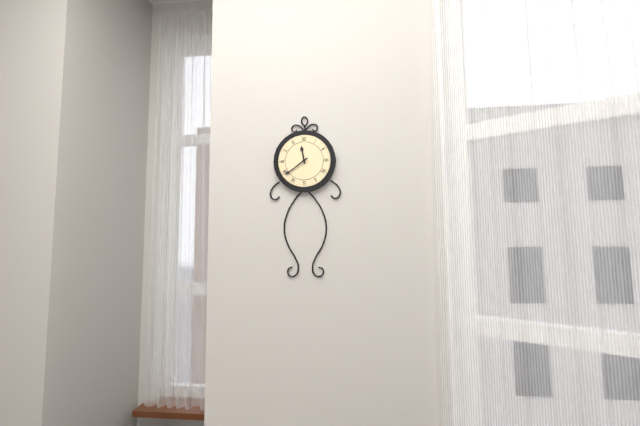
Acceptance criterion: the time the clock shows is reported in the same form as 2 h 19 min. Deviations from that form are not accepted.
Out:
11 h 39 min
